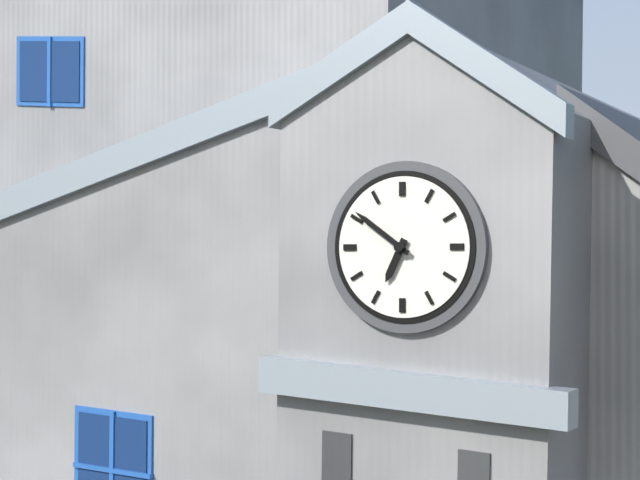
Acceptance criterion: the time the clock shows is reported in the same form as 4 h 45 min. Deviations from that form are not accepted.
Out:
6 h 51 min
